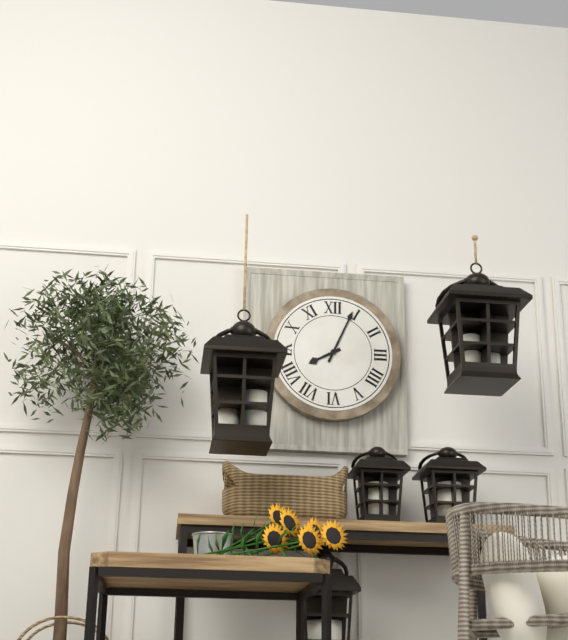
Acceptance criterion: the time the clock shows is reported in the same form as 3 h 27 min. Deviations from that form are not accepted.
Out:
8 h 04 min
